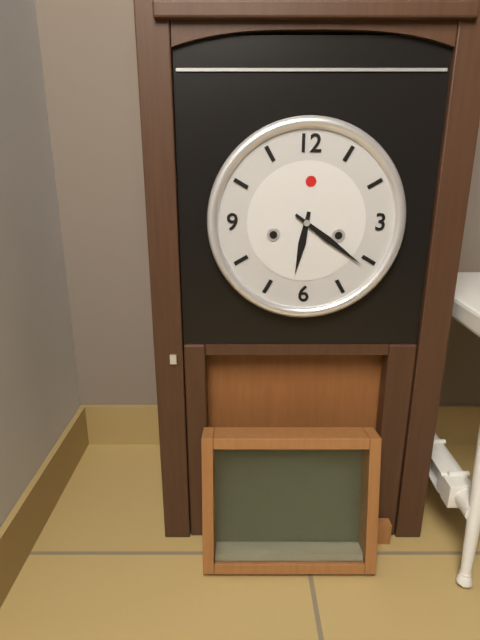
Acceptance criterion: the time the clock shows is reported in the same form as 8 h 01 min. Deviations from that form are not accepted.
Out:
6 h 21 min
